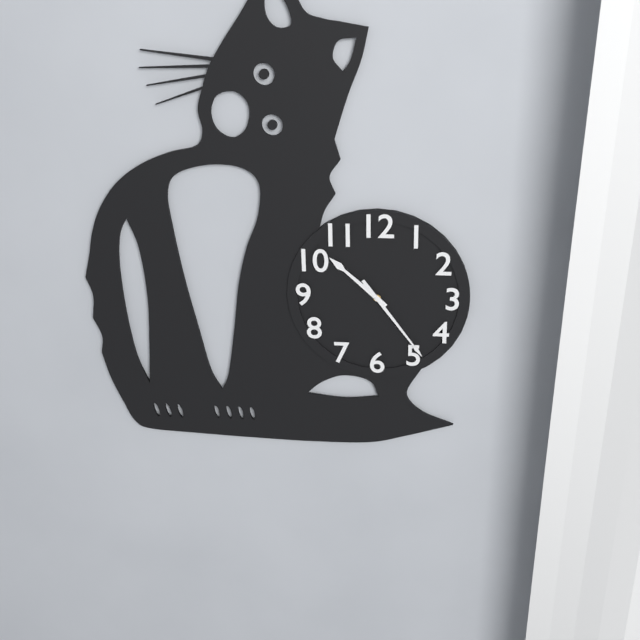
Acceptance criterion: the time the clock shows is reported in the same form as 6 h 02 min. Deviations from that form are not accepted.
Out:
10 h 24 min
